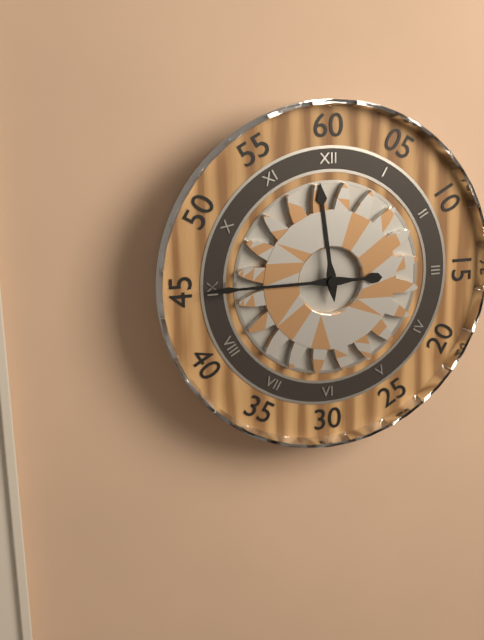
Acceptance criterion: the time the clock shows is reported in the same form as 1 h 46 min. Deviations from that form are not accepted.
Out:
11 h 45 min
